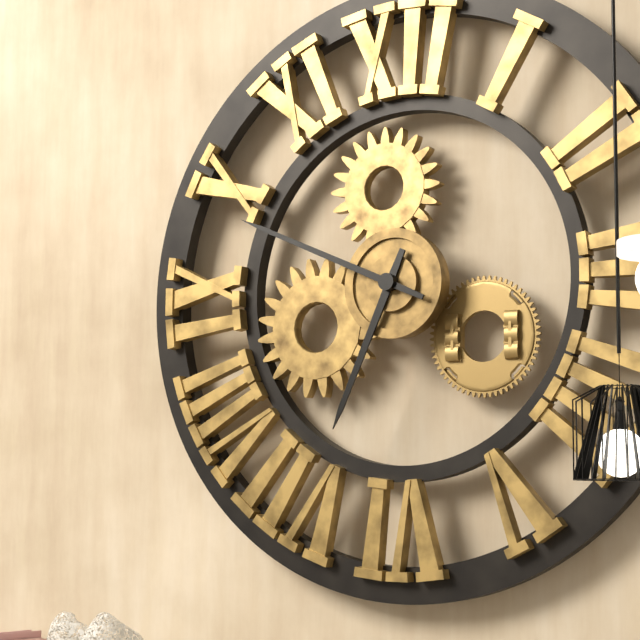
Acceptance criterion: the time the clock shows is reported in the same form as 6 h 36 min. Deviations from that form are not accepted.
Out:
6 h 49 min
